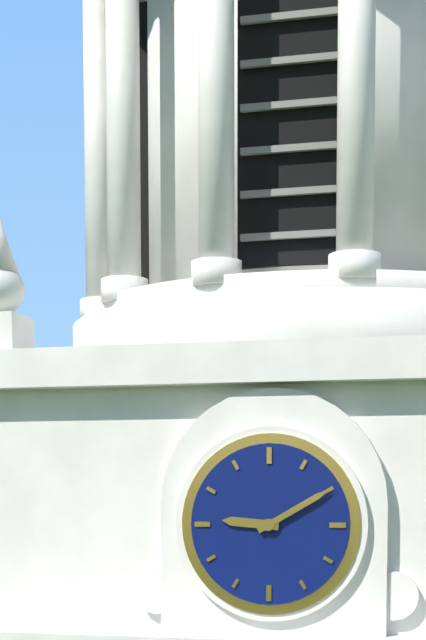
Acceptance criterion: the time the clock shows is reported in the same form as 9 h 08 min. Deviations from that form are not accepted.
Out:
9 h 10 min
